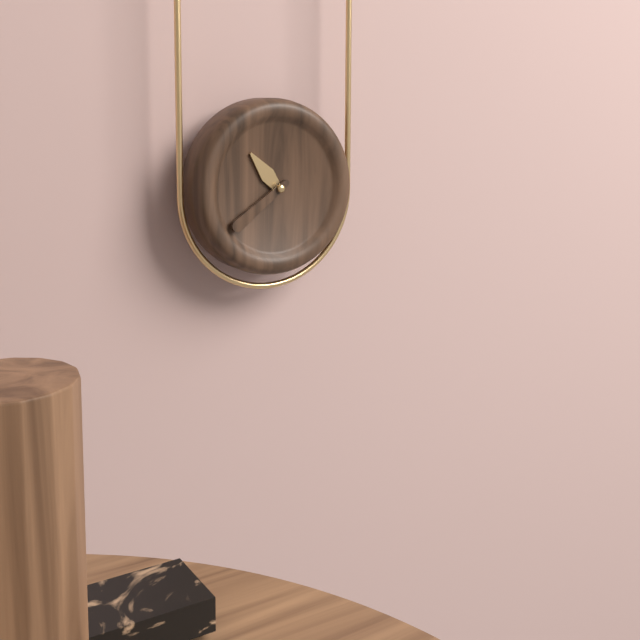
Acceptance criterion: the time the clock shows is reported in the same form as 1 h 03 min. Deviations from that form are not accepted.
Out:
10 h 39 min
